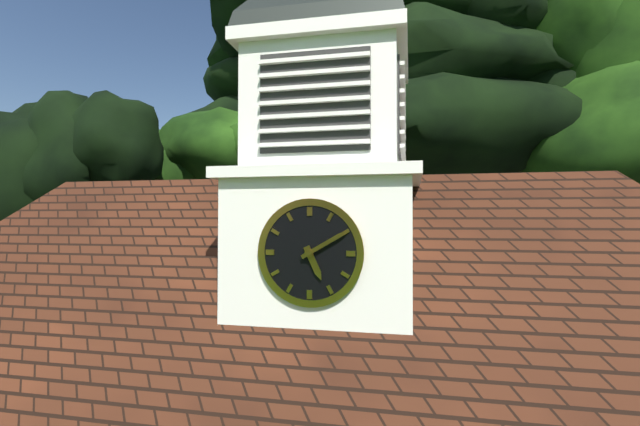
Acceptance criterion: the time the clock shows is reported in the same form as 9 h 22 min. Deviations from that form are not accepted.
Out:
5 h 10 min
